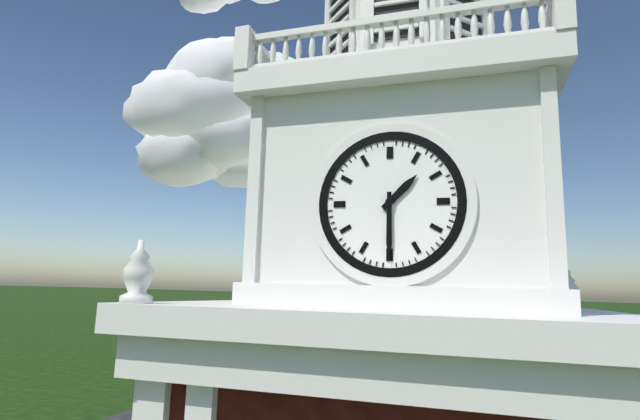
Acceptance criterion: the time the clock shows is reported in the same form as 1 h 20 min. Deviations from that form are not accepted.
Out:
1 h 30 min
